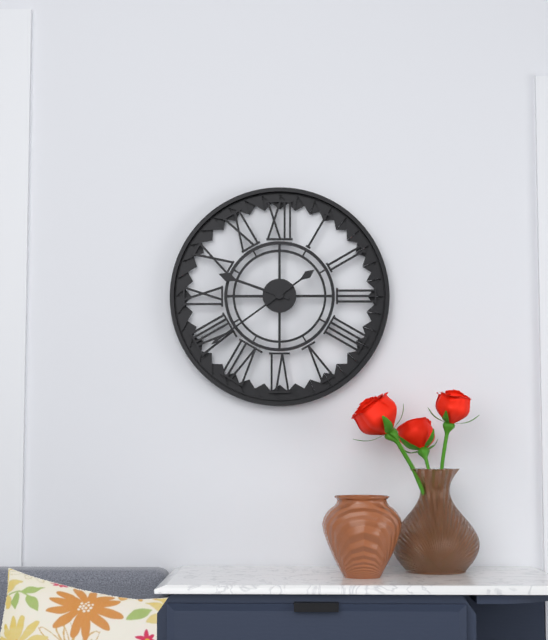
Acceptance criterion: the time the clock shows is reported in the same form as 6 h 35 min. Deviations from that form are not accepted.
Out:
9 h 39 min
